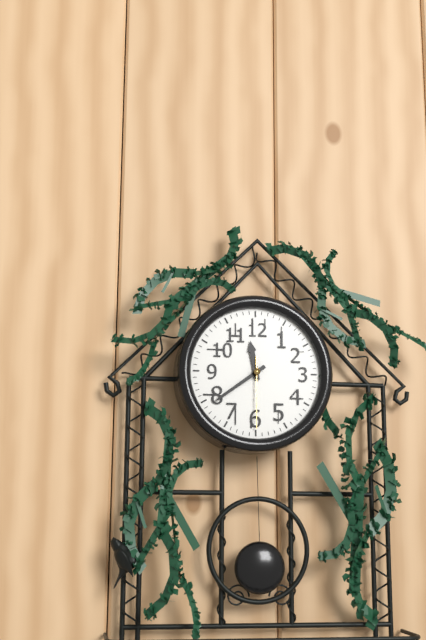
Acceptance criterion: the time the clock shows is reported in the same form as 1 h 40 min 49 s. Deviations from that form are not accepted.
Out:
11 h 39 min 30 s
